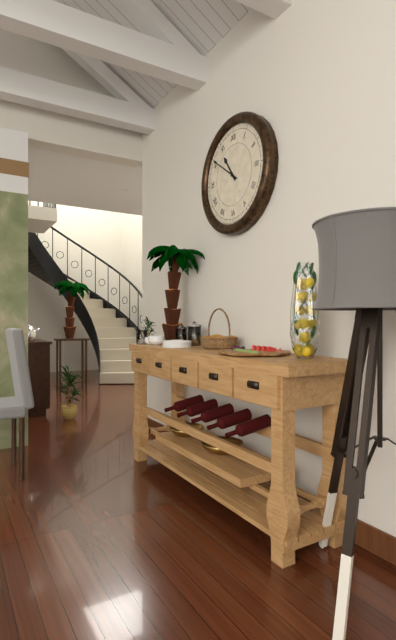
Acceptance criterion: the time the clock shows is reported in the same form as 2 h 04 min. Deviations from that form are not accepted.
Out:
10 h 51 min
